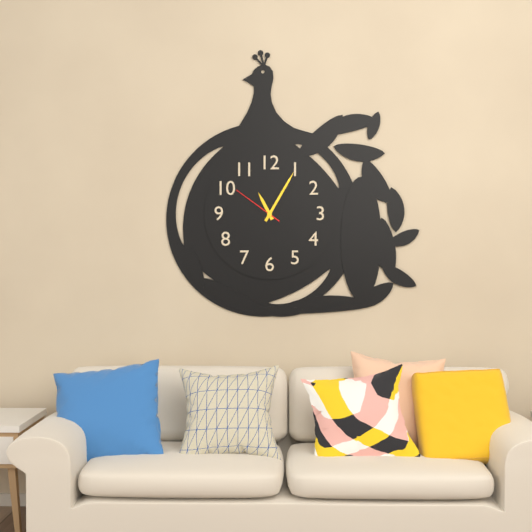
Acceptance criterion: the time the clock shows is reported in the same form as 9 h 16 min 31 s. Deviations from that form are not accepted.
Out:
11 h 05 min 51 s
